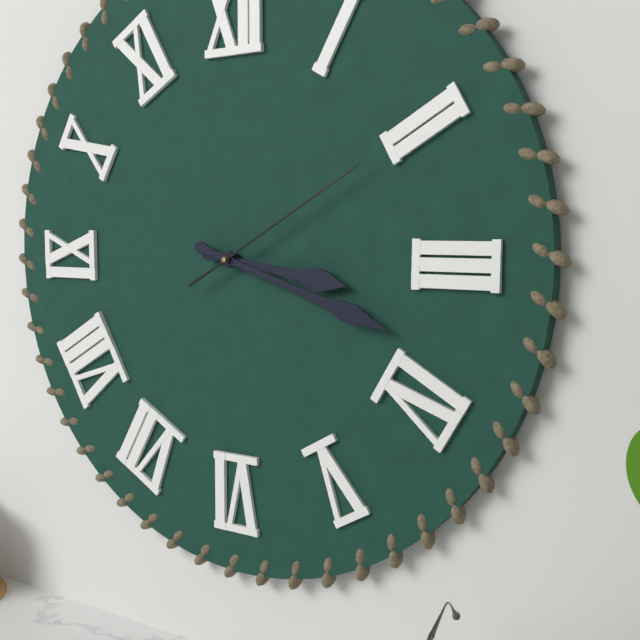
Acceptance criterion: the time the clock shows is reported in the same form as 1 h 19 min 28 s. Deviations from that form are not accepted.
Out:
3 h 18 min 10 s
